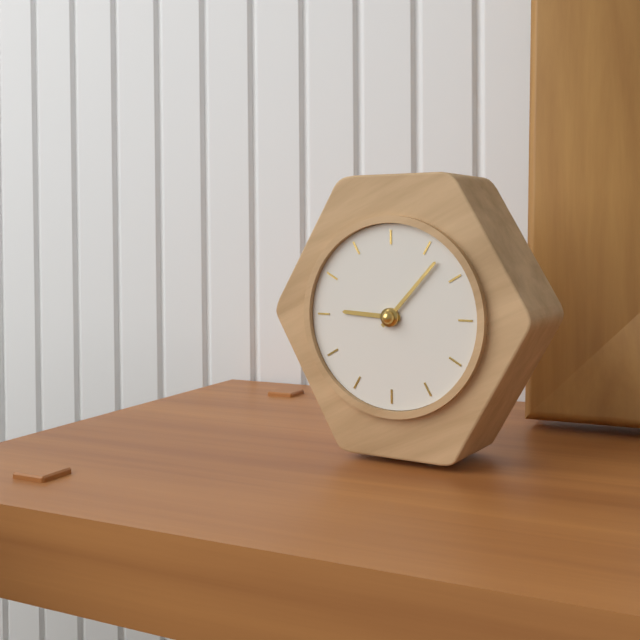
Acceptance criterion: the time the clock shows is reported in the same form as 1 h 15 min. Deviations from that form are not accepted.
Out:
9 h 07 min
